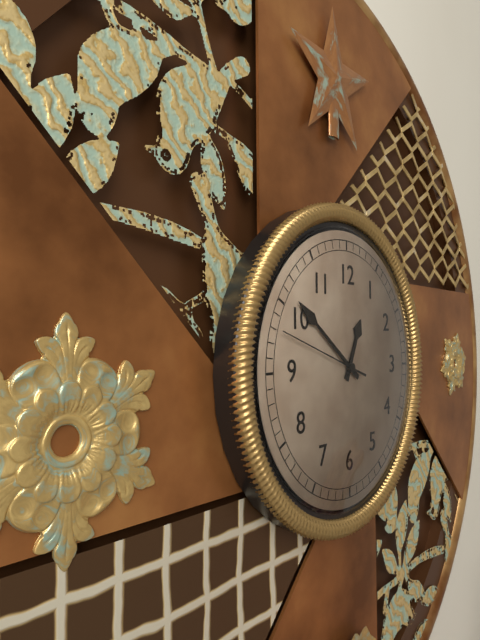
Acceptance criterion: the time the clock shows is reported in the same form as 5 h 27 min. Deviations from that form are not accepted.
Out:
12 h 51 min
